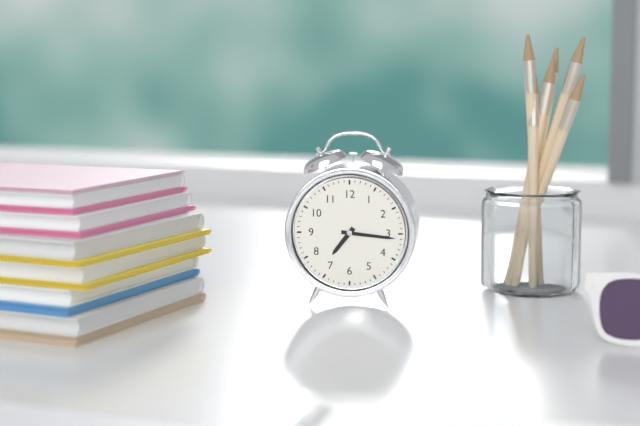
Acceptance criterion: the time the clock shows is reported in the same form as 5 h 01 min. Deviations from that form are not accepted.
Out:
7 h 16 min
